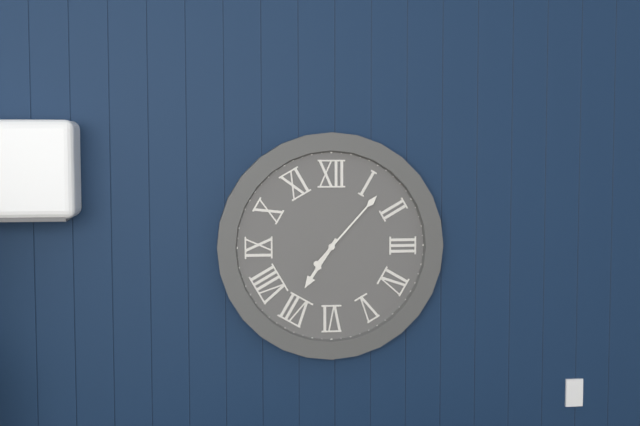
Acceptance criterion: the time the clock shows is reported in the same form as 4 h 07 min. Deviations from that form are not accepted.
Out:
7 h 07 min
